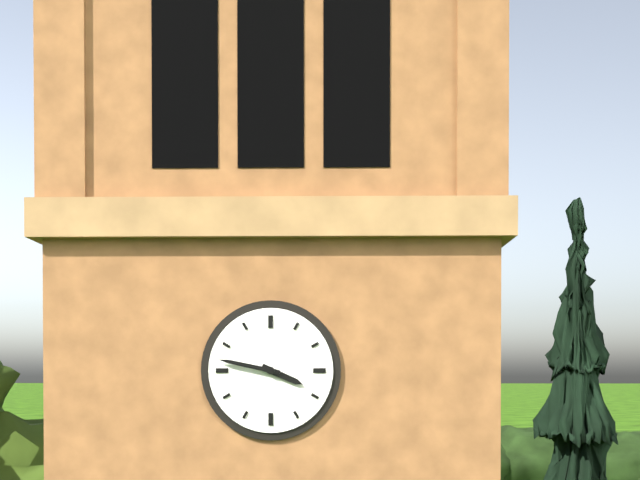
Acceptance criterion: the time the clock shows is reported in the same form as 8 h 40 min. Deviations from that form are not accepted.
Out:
3 h 47 min
